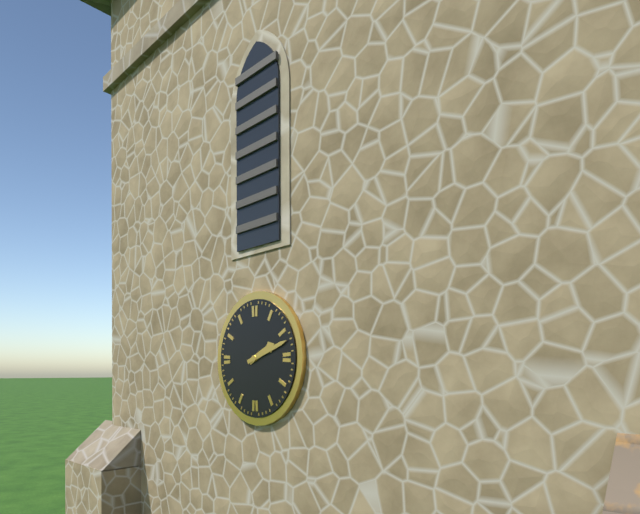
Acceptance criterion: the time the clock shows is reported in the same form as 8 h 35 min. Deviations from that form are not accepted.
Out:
2 h 12 min
